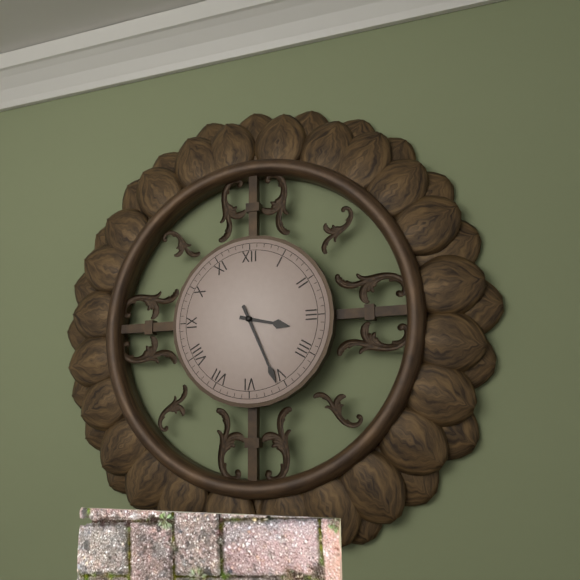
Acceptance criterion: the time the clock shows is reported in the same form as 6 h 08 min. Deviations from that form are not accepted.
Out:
3 h 26 min
